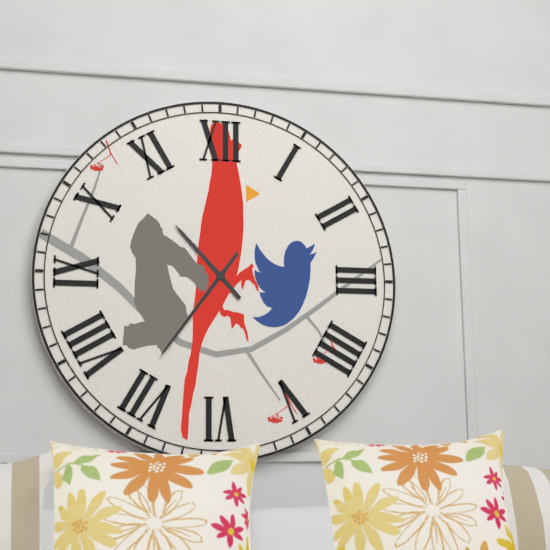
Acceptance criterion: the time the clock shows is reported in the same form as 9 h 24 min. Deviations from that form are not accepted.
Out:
10 h 36 min
